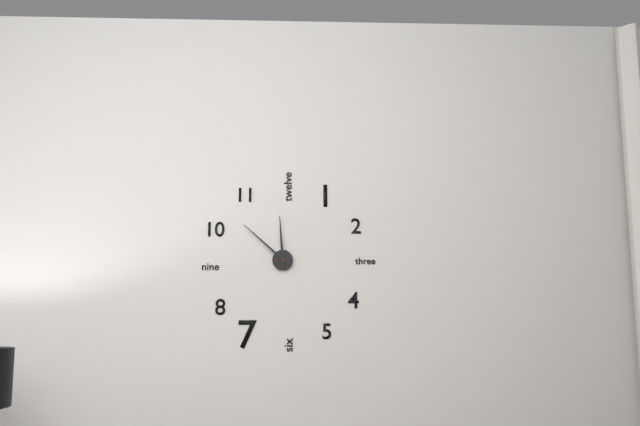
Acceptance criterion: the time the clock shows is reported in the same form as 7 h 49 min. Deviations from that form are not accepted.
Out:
11 h 52 min
